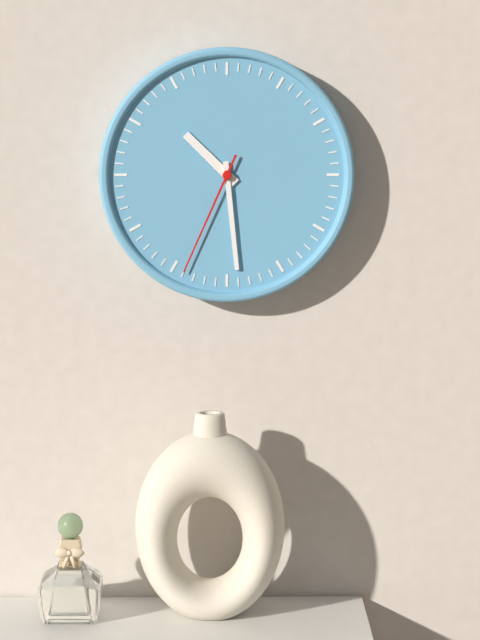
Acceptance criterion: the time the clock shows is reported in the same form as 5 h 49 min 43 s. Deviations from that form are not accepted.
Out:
10 h 29 min 34 s
